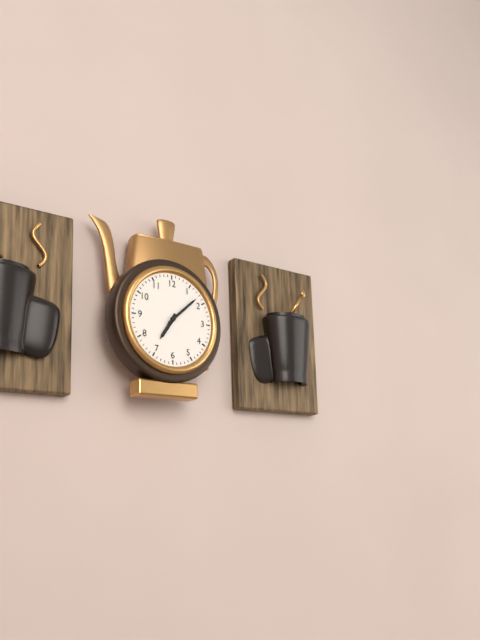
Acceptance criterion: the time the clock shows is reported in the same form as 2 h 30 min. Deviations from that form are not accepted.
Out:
7 h 08 min
